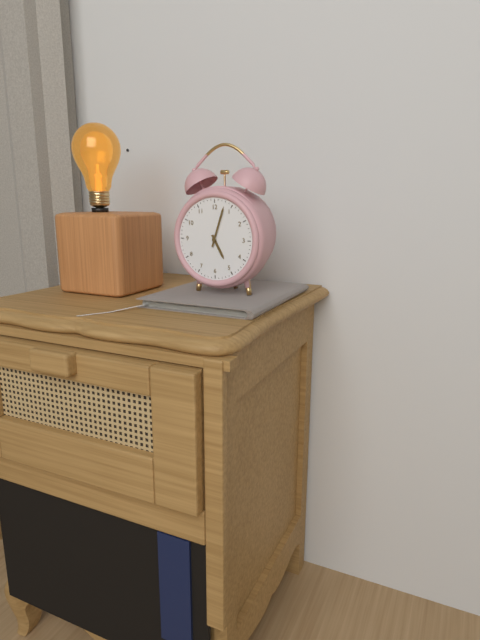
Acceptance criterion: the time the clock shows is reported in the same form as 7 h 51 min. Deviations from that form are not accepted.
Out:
5 h 03 min
